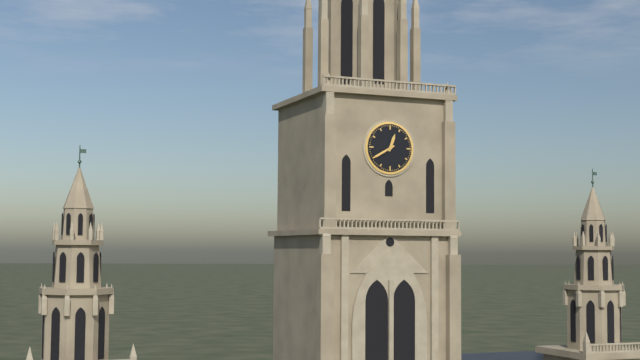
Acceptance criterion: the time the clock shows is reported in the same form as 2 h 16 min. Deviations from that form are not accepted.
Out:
12 h 40 min
